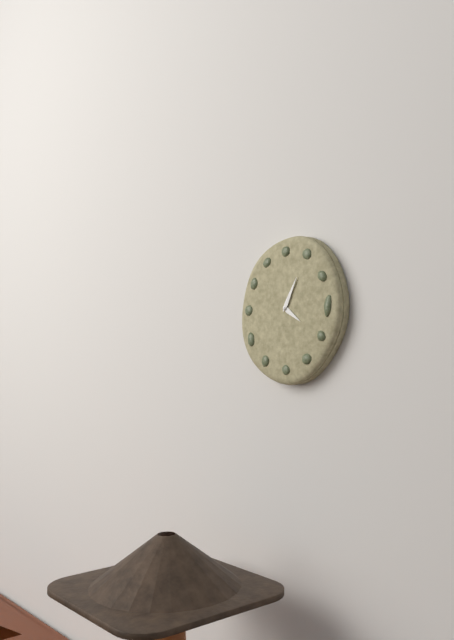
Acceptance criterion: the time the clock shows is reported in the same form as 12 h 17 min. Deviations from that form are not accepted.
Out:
4 h 05 min
